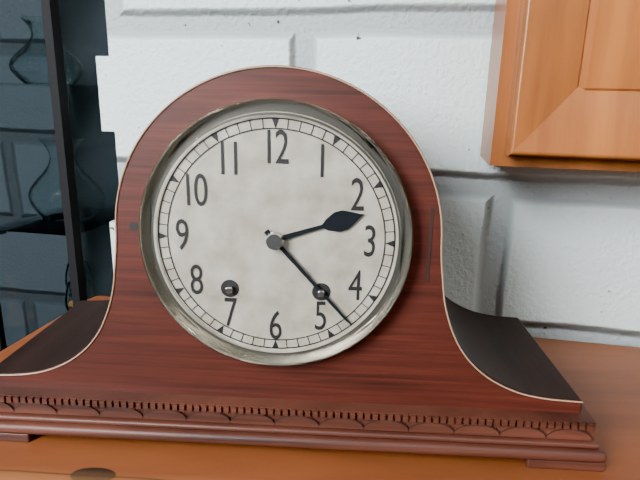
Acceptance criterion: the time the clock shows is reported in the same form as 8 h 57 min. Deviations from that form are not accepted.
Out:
2 h 23 min
